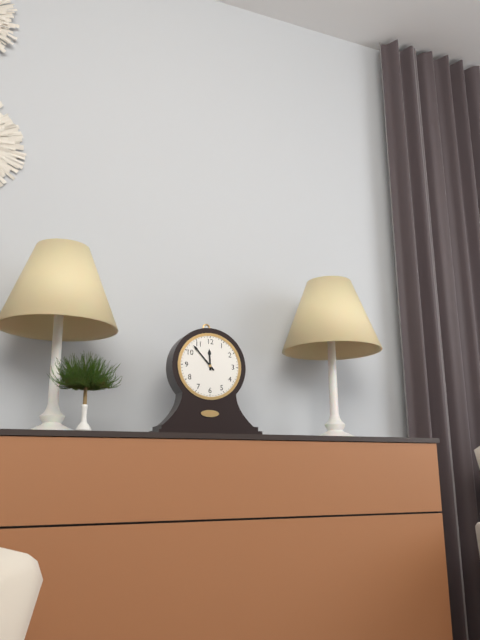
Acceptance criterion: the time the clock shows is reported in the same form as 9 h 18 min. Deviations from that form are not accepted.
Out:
11 h 53 min
